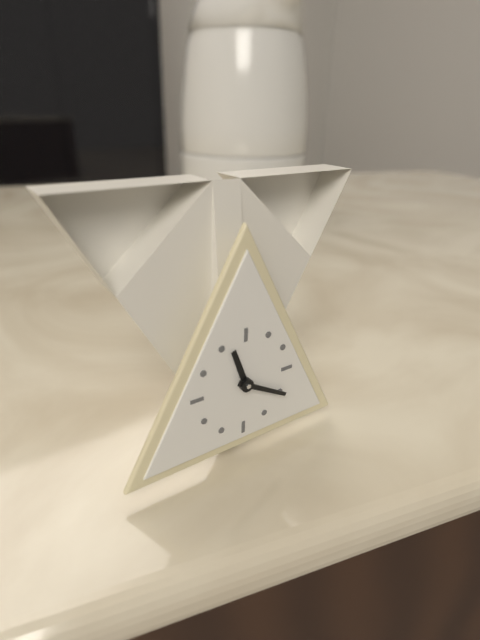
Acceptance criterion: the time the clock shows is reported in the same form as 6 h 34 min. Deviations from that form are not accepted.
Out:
11 h 20 min
